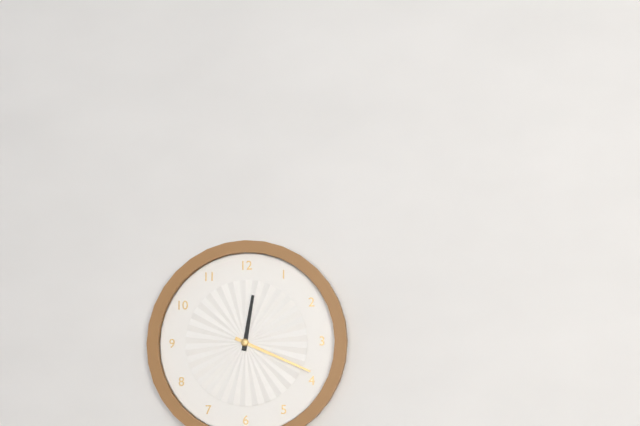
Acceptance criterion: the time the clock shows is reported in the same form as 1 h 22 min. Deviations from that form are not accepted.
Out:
12 h 19 min
